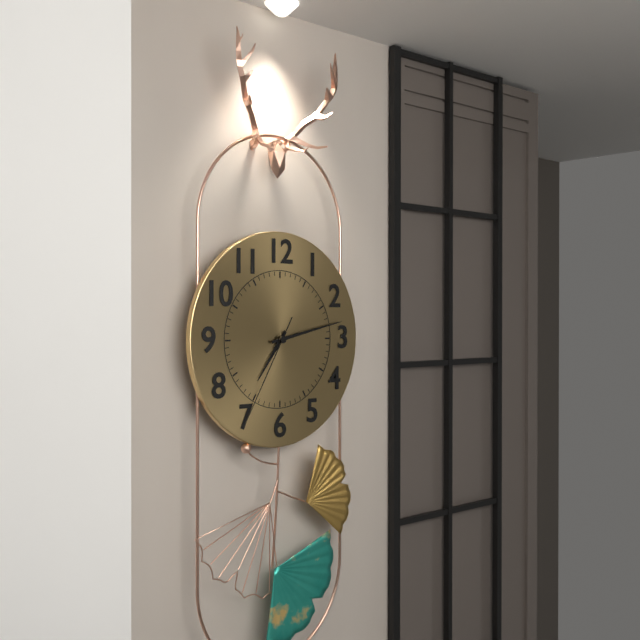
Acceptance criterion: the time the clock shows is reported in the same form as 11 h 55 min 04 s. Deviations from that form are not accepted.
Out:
7 h 13 min 35 s
